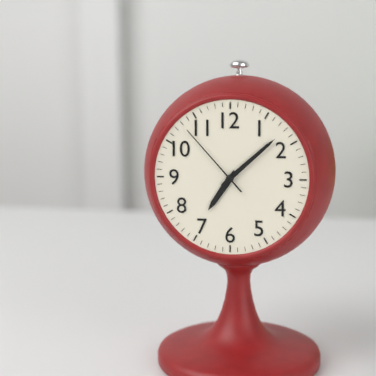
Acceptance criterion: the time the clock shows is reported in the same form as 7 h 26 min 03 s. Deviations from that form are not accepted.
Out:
7 h 08 min 53 s
